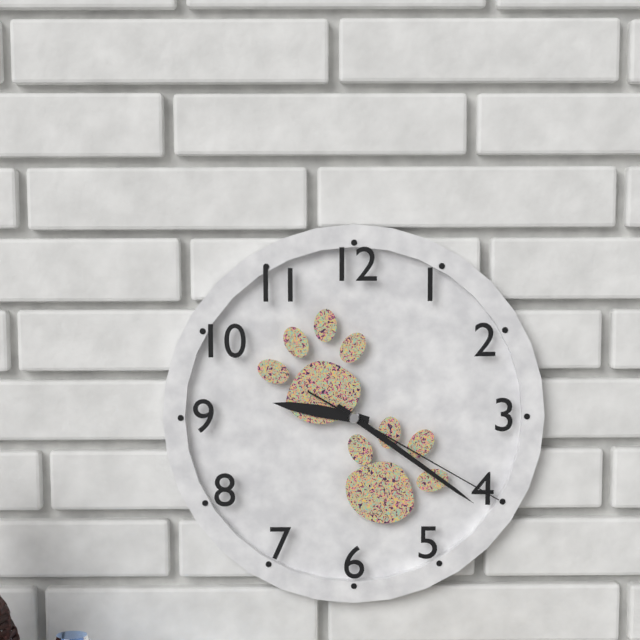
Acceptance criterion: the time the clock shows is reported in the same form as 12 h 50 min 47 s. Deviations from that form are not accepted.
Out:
9 h 21 min 20 s
